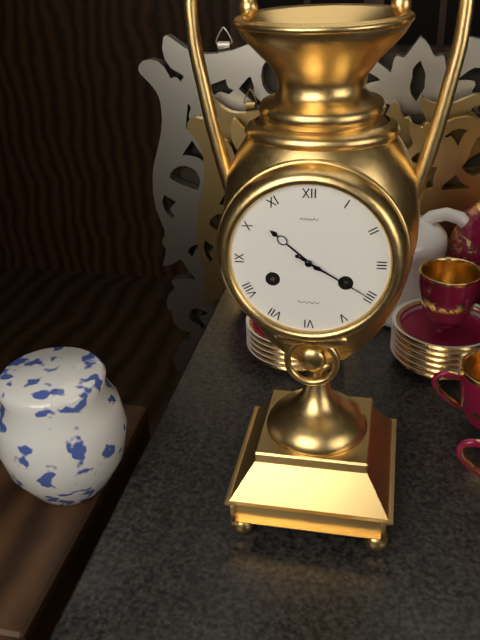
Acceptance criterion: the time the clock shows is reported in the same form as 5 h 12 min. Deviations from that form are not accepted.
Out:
10 h 20 min
